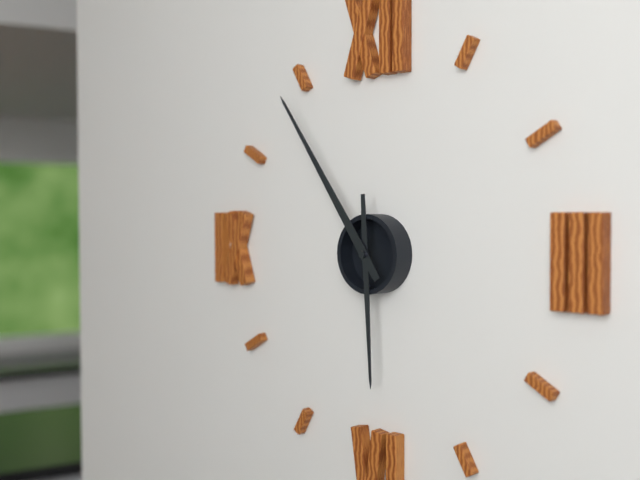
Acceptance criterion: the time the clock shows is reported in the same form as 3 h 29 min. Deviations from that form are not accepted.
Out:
5 h 54 min
